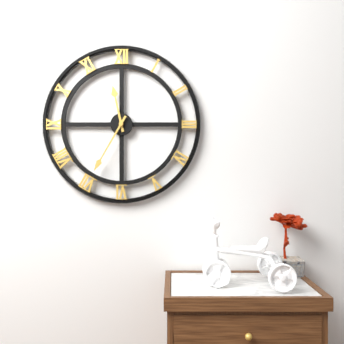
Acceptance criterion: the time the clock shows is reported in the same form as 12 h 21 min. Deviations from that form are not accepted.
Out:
11 h 35 min
